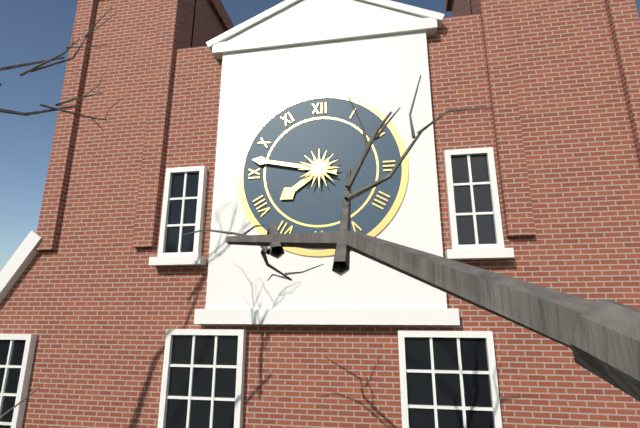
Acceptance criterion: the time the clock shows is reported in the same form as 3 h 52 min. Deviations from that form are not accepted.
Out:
7 h 47 min
